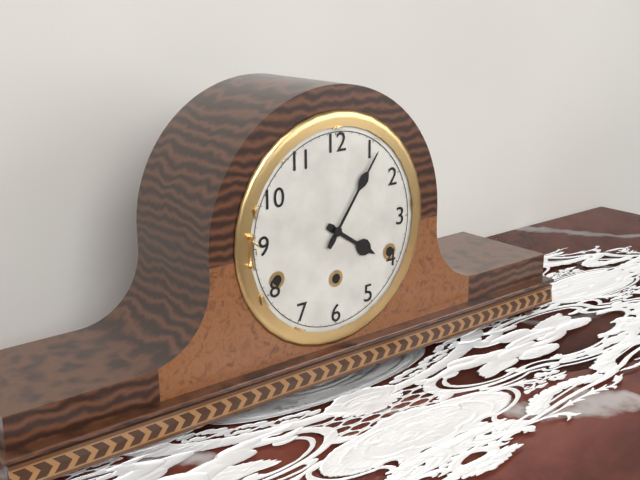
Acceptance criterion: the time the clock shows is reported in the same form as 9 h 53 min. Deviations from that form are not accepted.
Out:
4 h 06 min
